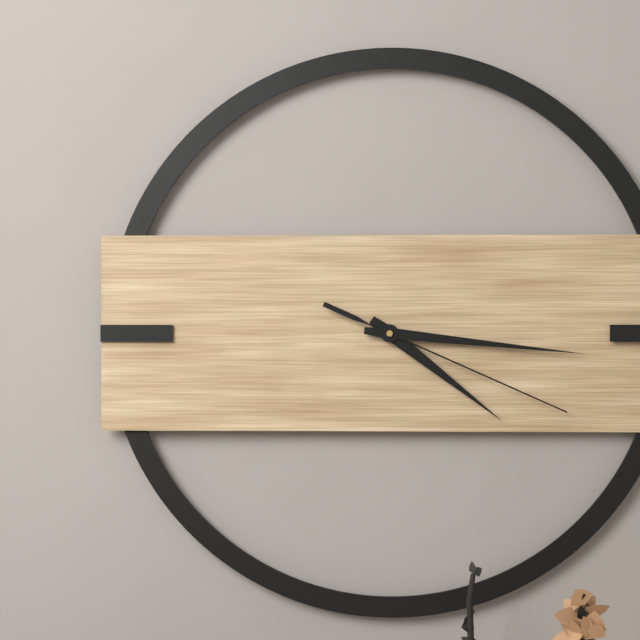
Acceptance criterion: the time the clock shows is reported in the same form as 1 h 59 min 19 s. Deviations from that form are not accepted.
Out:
4 h 16 min 19 s
